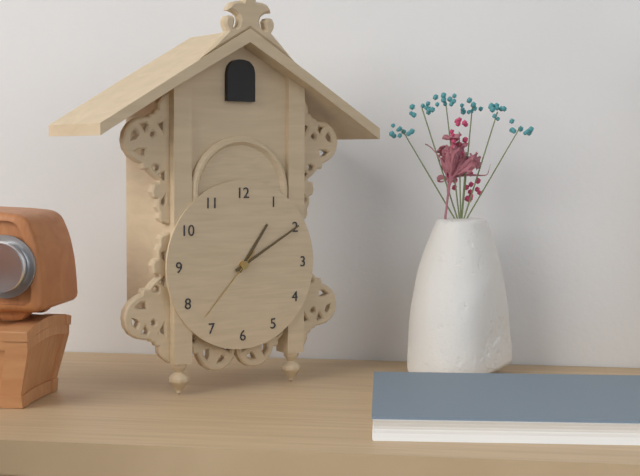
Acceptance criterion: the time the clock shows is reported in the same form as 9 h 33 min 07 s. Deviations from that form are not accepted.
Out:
1 h 10 min 37 s
